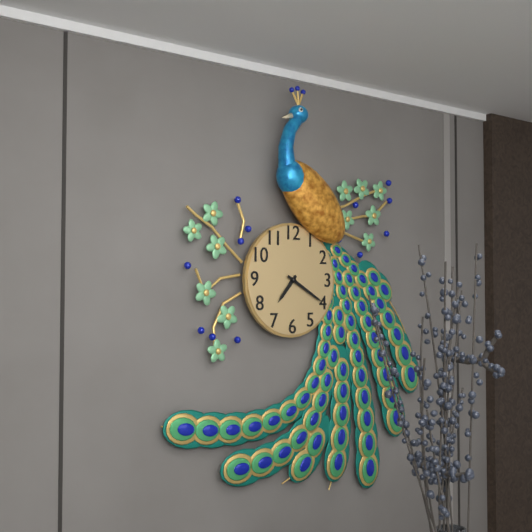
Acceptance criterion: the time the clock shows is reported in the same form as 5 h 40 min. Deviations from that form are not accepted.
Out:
7 h 20 min
